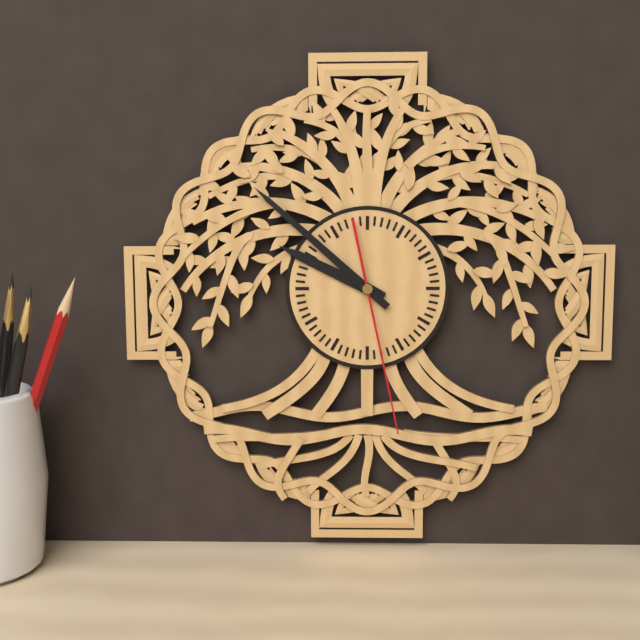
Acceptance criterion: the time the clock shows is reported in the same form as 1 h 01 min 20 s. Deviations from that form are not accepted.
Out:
9 h 52 min 28 s
